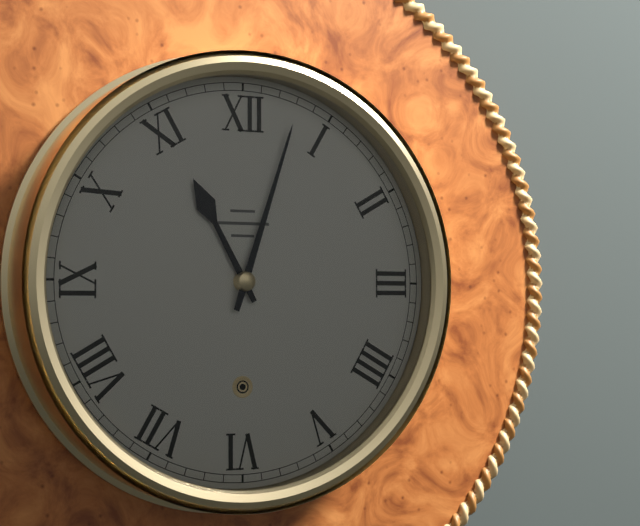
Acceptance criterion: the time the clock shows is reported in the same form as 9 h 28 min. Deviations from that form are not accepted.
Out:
11 h 03 min
